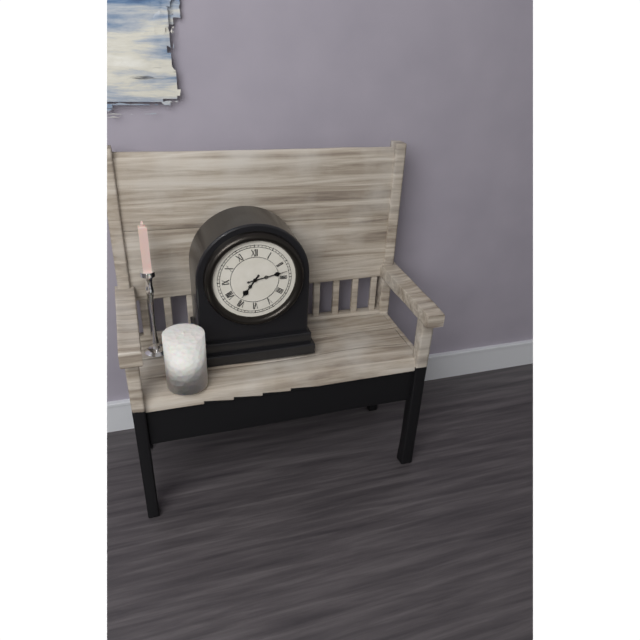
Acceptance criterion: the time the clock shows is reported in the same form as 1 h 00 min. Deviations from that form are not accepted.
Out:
7 h 13 min
